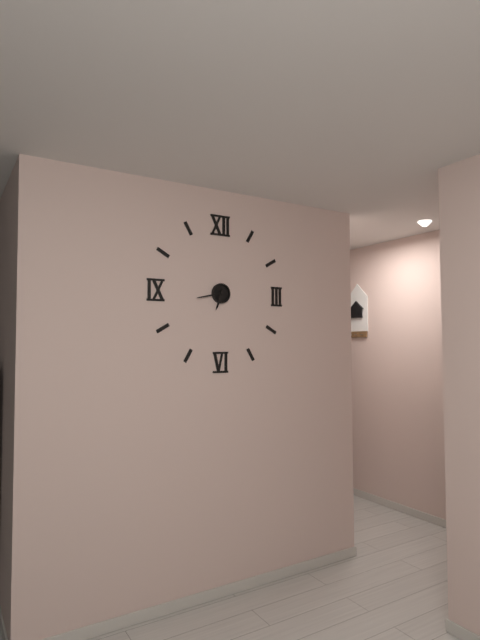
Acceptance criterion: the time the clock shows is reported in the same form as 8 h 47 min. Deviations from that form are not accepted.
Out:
6 h 43 min
